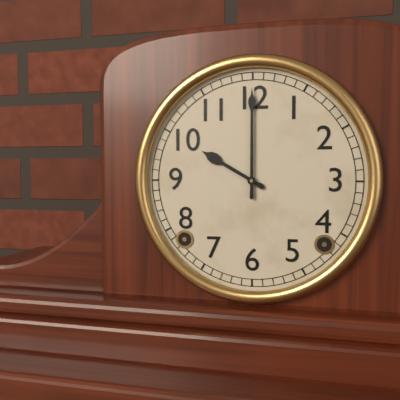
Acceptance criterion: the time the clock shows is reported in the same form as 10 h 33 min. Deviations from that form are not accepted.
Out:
10 h 00 min
